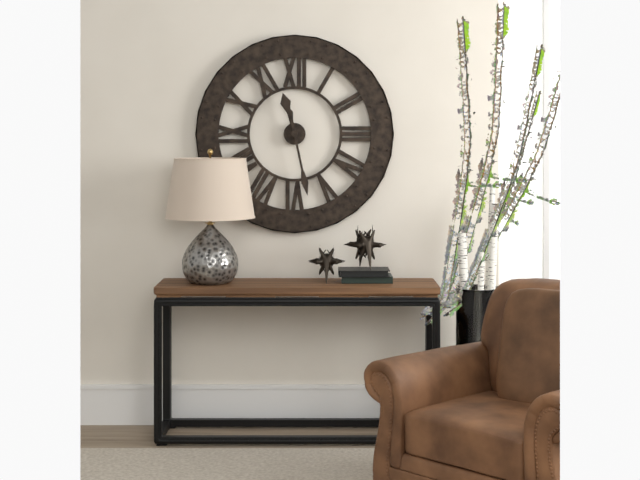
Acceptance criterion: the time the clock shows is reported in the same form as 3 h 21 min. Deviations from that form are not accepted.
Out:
11 h 28 min
